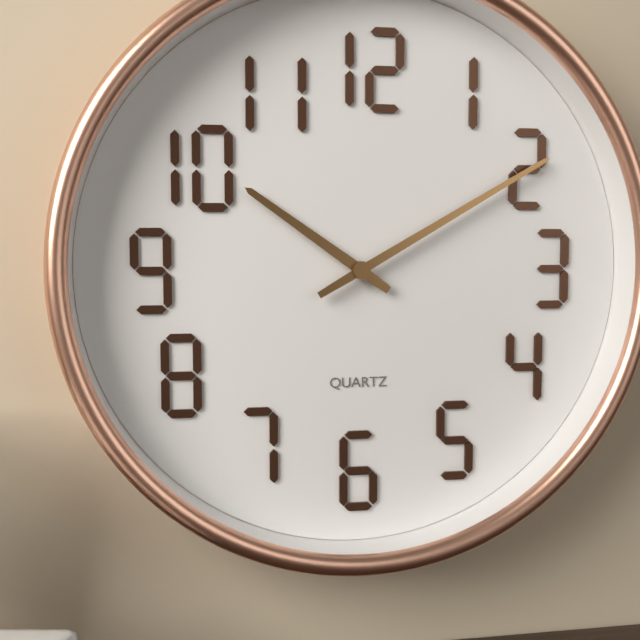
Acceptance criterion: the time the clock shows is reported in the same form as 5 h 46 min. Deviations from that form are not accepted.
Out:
10 h 10 min
